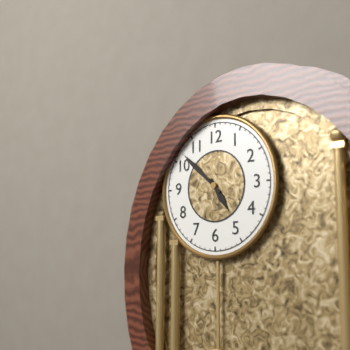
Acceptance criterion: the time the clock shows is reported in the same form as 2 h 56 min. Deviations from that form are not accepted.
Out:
4 h 52 min
